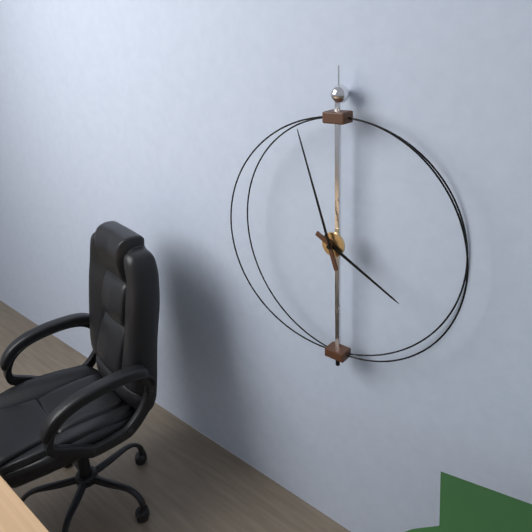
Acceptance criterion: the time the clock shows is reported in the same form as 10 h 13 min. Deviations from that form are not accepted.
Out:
3 h 57 min
